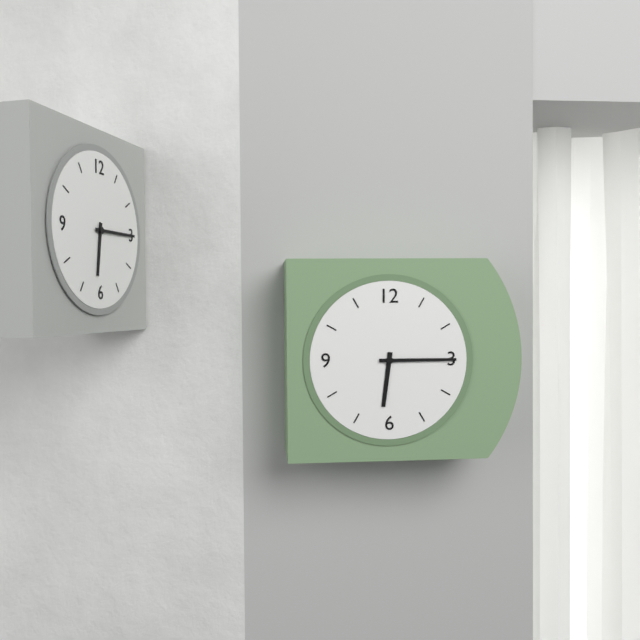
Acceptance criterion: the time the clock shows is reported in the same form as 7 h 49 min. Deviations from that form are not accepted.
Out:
6 h 15 min
